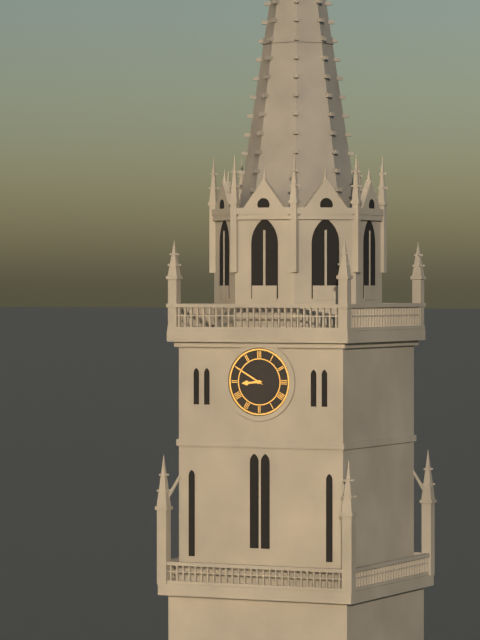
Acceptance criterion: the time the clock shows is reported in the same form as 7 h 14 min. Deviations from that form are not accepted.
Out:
8 h 50 min
